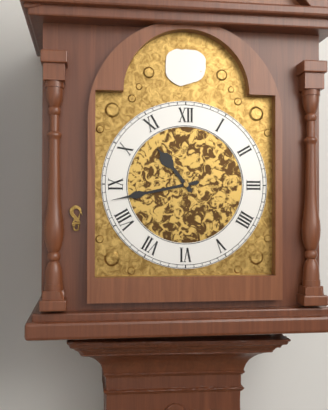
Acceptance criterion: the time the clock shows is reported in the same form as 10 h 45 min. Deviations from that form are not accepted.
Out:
10 h 43 min
